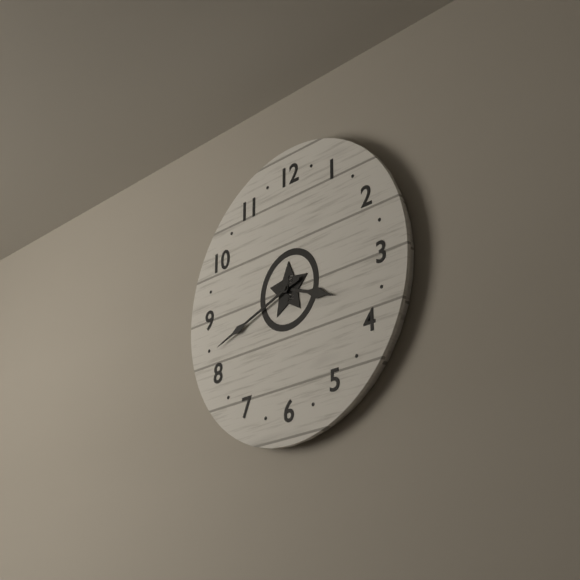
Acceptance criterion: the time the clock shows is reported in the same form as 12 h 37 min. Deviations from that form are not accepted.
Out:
3 h 42 min
